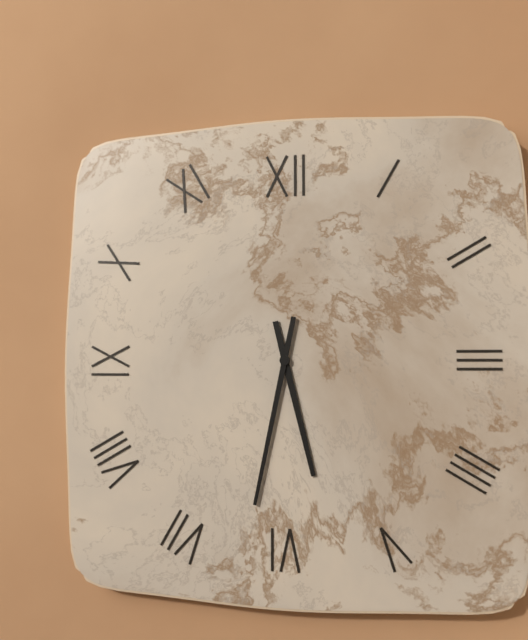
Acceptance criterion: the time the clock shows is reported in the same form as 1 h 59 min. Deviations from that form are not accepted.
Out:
5 h 32 min
